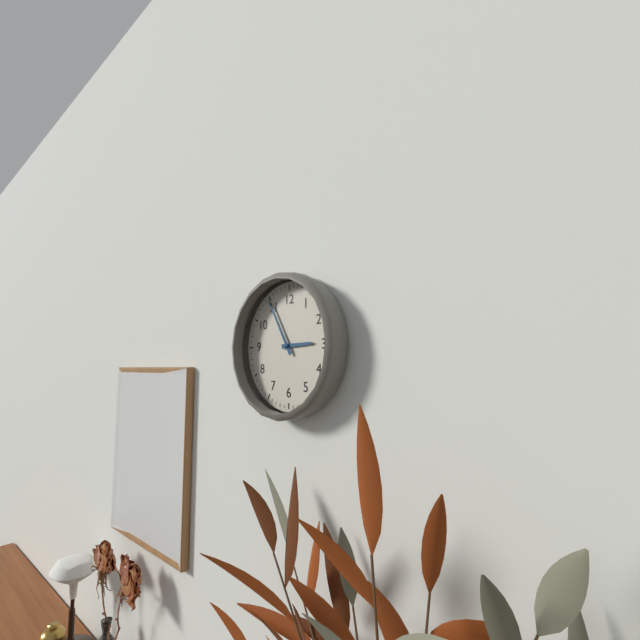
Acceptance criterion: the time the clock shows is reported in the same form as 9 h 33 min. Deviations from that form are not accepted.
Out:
2 h 55 min
